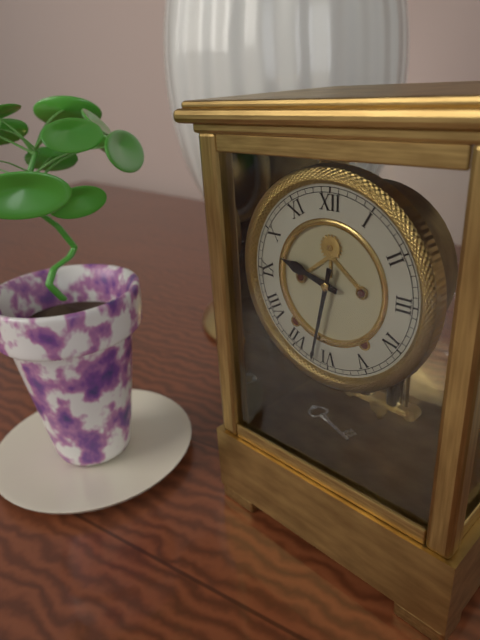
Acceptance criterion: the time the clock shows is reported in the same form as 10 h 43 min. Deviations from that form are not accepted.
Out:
9 h 32 min
